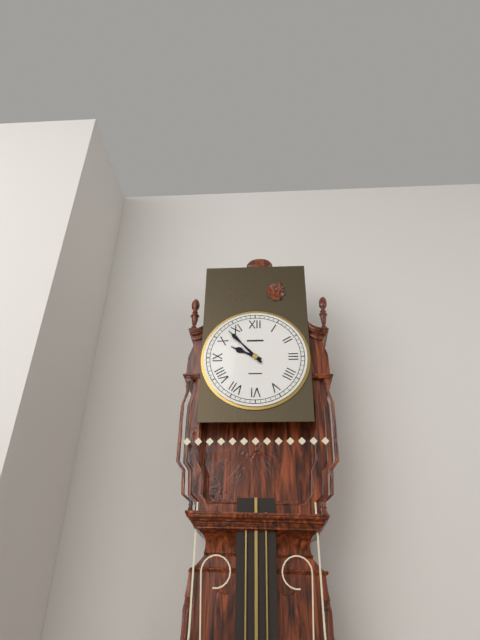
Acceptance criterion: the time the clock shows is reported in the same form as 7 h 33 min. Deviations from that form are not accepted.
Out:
9 h 53 min
